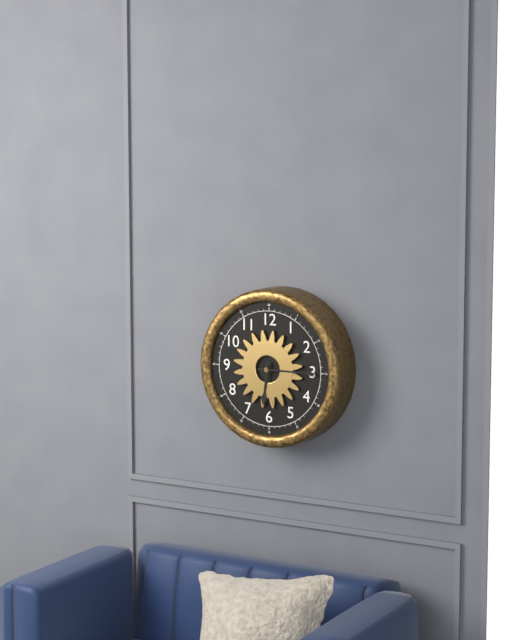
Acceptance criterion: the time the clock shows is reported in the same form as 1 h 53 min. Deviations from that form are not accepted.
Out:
6 h 15 min
